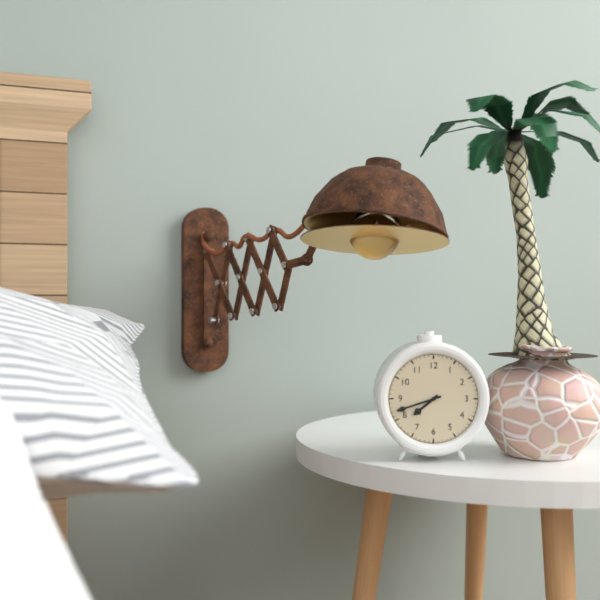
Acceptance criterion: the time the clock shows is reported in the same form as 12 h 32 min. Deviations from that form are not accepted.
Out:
7 h 42 min
